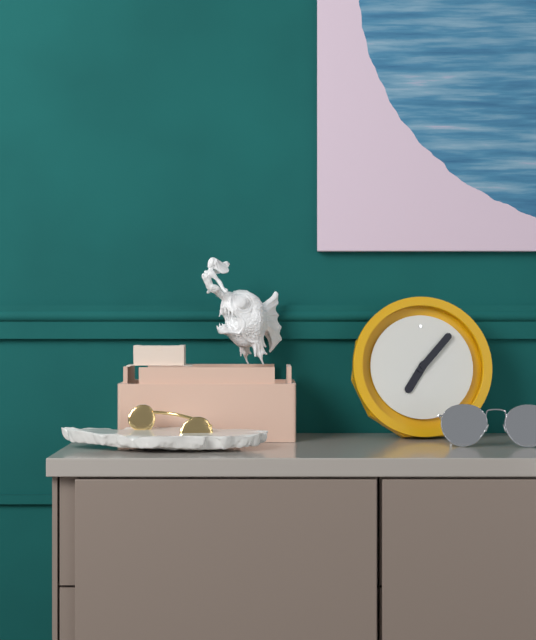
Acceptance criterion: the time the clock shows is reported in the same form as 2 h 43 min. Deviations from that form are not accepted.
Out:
7 h 07 min
